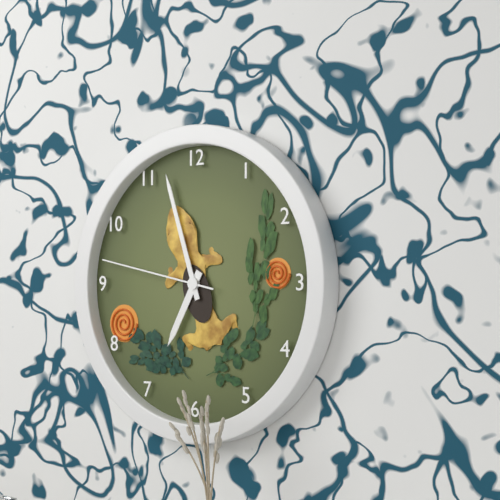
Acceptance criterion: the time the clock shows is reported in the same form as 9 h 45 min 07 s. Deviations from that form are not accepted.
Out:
6 h 57 min 47 s
